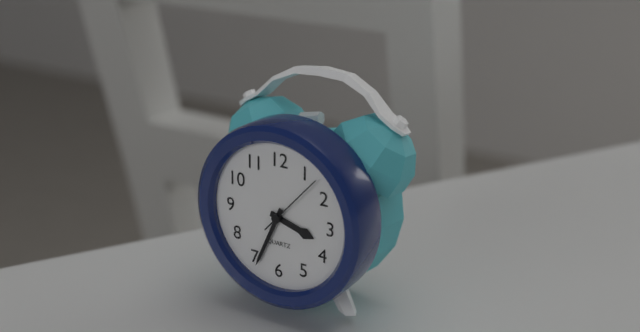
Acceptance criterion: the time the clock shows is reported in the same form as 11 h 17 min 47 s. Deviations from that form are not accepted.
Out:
3 h 34 min 07 s
